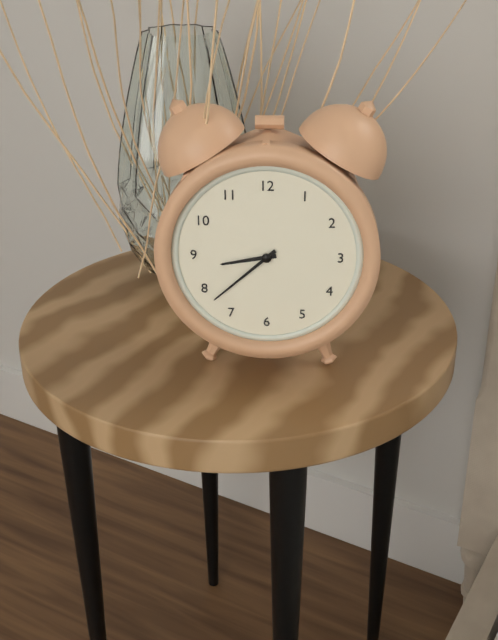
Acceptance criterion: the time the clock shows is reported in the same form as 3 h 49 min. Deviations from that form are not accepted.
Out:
8 h 38 min
